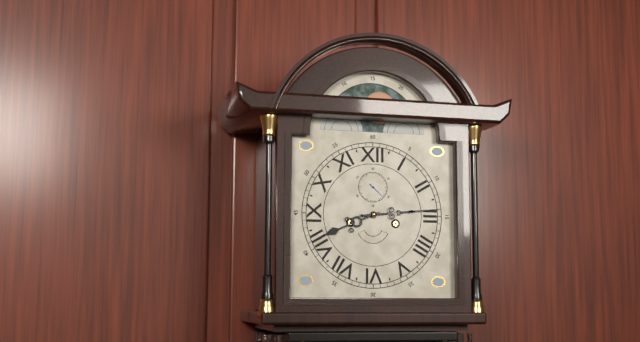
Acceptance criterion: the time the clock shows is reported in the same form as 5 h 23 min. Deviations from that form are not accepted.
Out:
8 h 14 min
